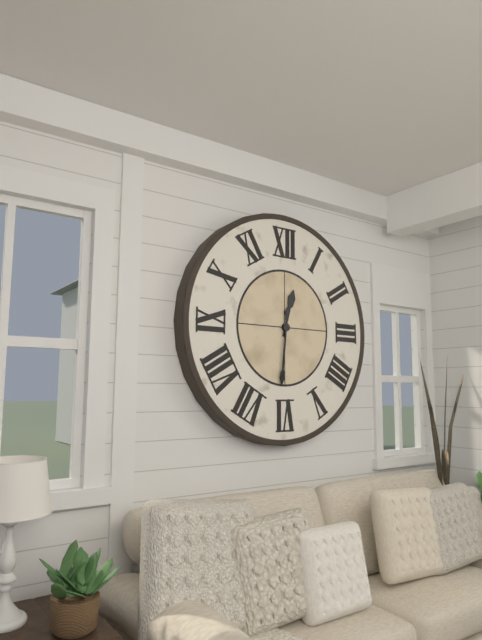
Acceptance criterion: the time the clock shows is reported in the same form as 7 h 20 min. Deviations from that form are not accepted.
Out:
12 h 31 min
